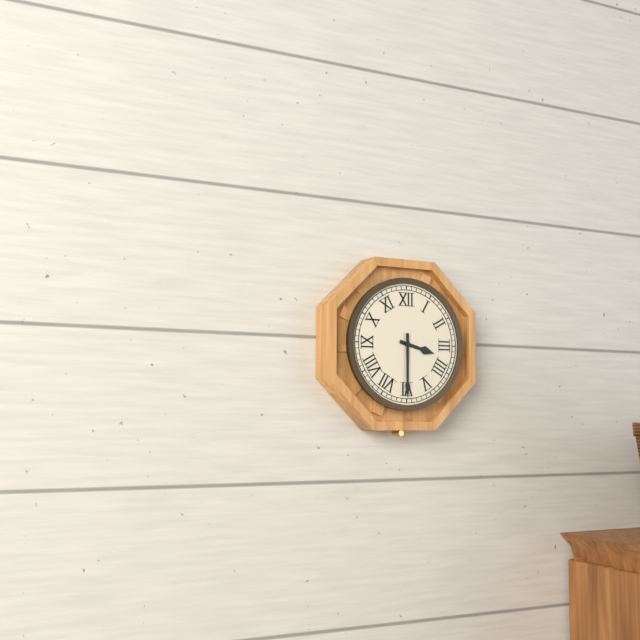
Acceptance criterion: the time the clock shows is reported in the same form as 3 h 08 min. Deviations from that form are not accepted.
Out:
3 h 30 min
